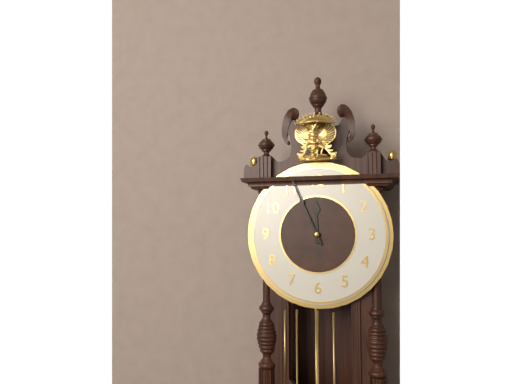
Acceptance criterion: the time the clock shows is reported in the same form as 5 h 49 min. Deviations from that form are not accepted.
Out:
11 h 56 min
